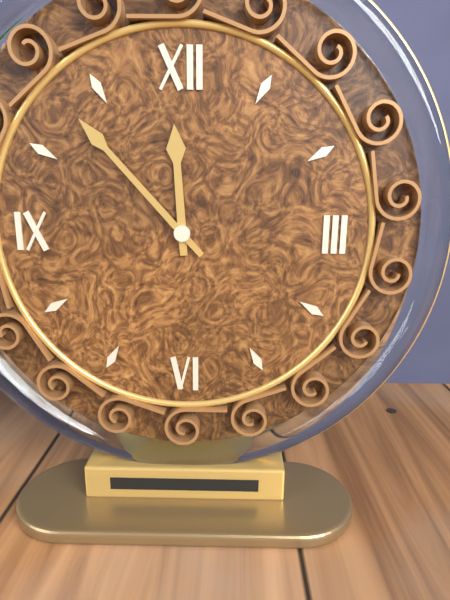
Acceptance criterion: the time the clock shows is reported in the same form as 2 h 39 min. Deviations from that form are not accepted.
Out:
11 h 53 min
